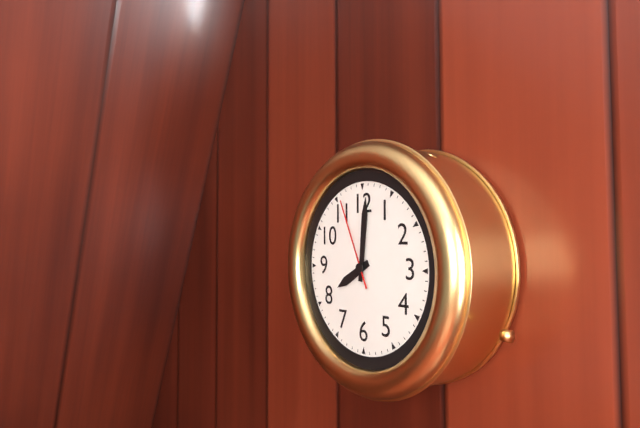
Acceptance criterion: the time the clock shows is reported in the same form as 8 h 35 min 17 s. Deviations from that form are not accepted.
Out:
8 h 01 min 56 s
